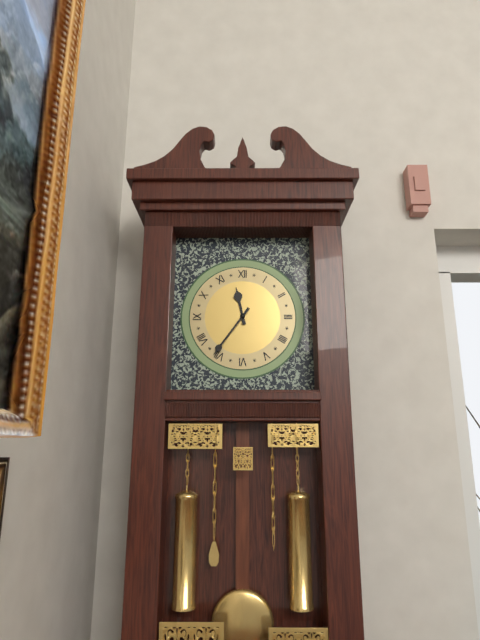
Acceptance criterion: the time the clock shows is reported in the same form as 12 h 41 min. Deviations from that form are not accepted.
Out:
11 h 36 min
